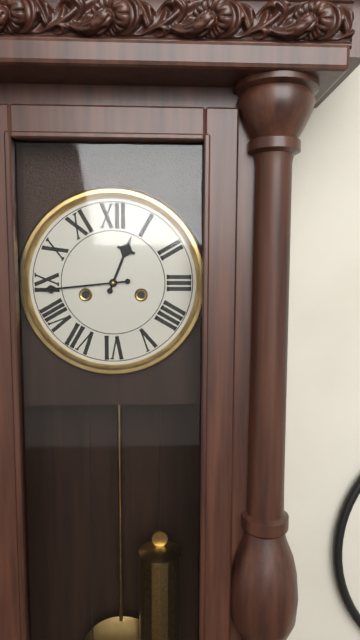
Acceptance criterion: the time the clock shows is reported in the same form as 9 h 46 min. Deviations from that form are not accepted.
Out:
12 h 44 min
